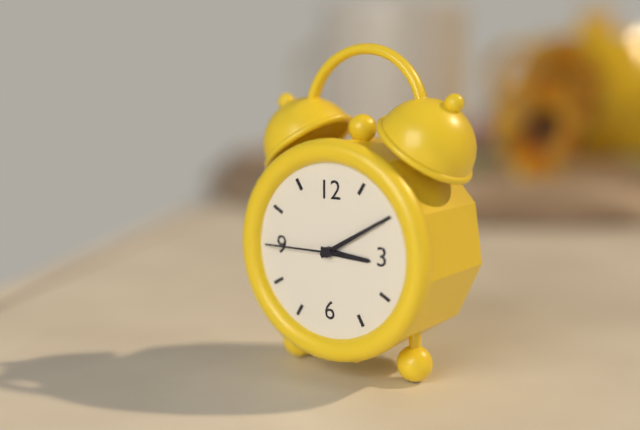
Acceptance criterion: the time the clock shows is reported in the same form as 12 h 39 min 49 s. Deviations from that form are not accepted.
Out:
3 h 10 min 45 s
